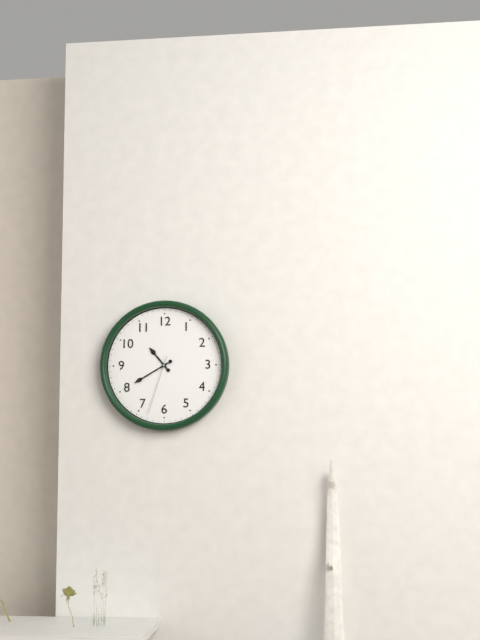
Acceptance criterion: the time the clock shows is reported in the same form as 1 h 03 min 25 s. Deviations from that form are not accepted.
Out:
10 h 40 min 33 s
